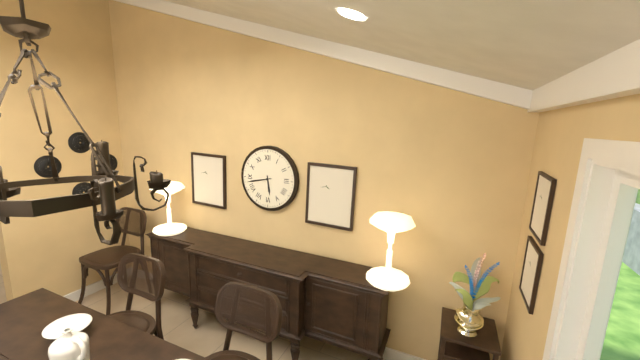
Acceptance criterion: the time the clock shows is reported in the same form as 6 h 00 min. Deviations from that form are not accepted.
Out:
5 h 43 min
